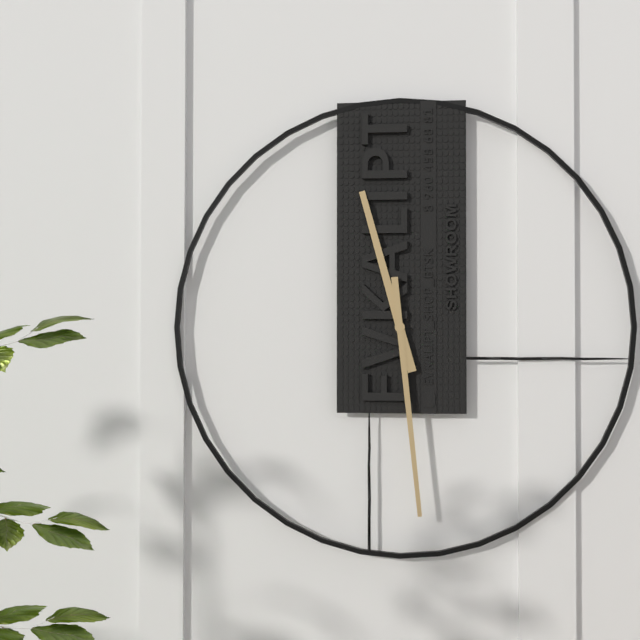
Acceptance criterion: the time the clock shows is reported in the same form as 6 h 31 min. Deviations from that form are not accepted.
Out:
11 h 29 min
